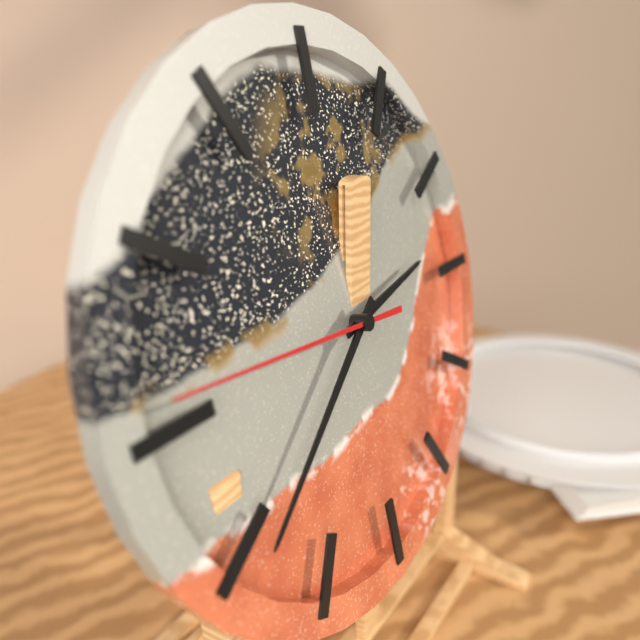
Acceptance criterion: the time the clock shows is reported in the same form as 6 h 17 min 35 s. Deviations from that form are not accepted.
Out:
2 h 39 min 46 s
